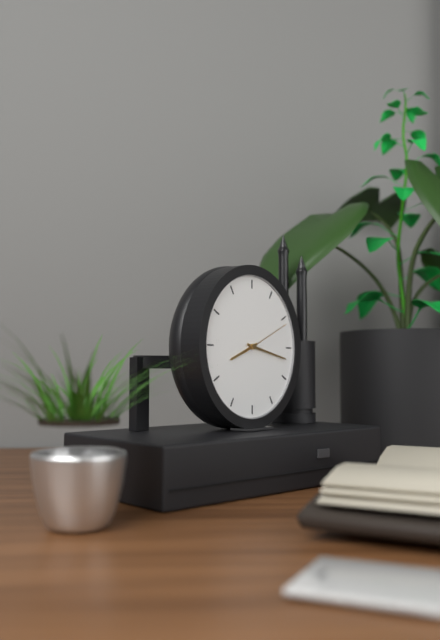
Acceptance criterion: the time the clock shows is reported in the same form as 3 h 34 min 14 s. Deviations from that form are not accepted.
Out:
8 h 17 min 11 s
